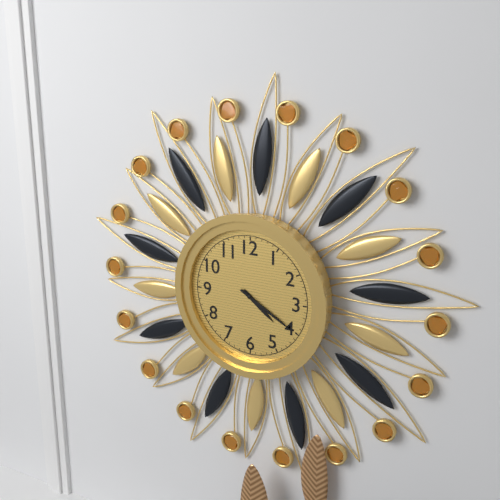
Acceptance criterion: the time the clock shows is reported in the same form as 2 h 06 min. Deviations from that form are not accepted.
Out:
4 h 20 min
